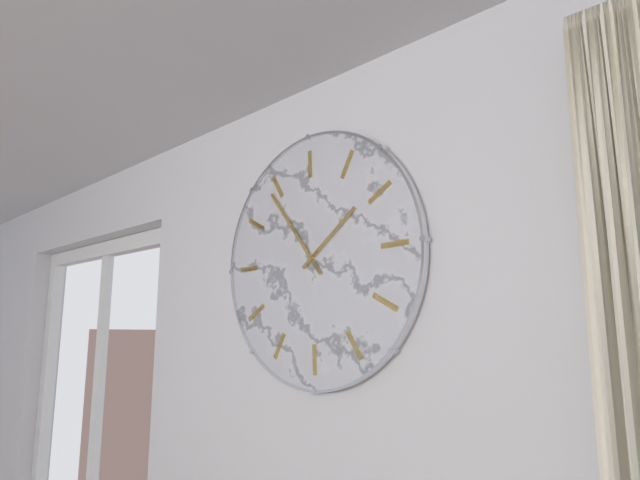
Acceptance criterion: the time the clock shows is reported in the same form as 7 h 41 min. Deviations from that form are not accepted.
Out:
12 h 49 min
